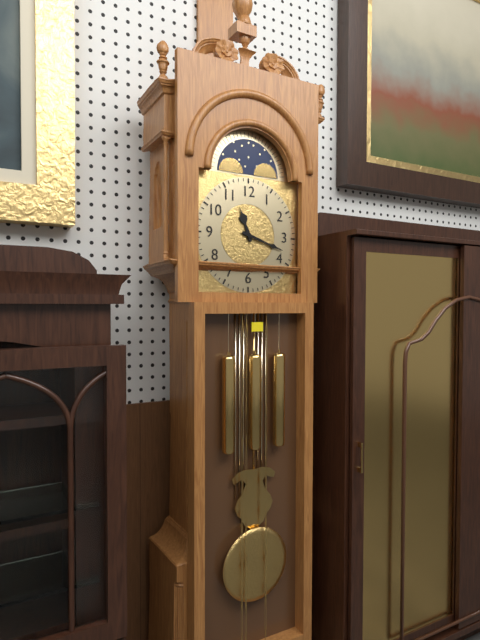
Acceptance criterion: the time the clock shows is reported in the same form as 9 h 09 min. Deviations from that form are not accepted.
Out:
11 h 18 min
